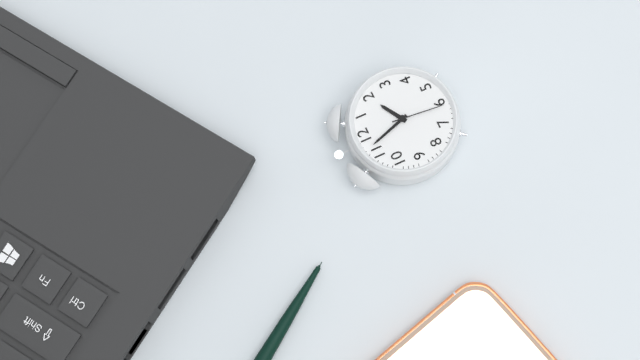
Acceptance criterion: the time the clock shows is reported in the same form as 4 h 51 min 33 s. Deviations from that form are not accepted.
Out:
1 h 57 min 31 s
